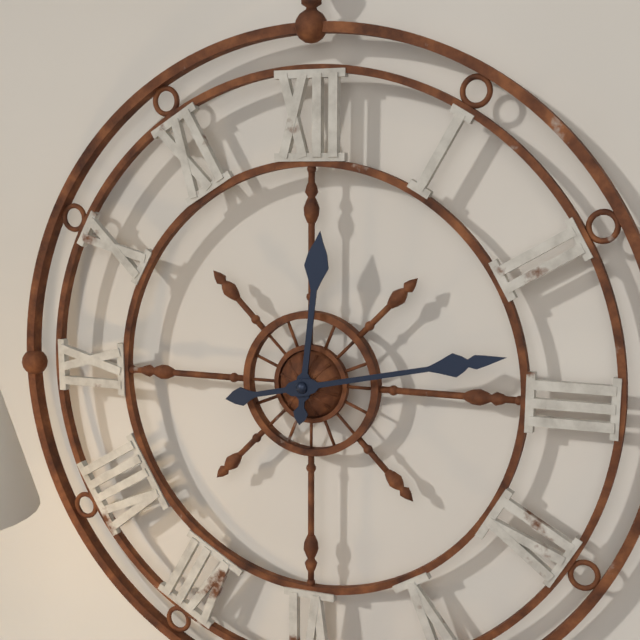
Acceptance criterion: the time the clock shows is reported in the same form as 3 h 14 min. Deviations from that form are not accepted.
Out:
12 h 13 min
